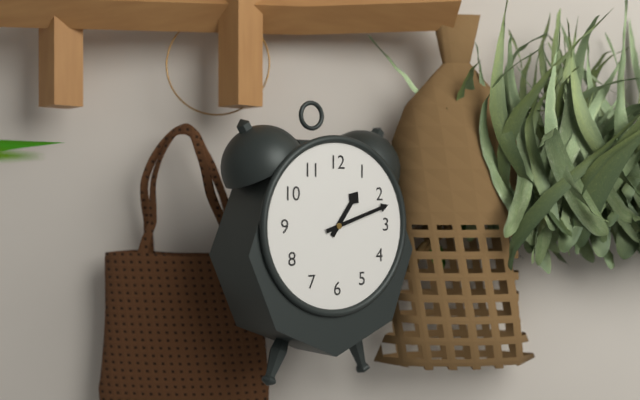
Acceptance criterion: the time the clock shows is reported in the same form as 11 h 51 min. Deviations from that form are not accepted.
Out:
1 h 12 min
